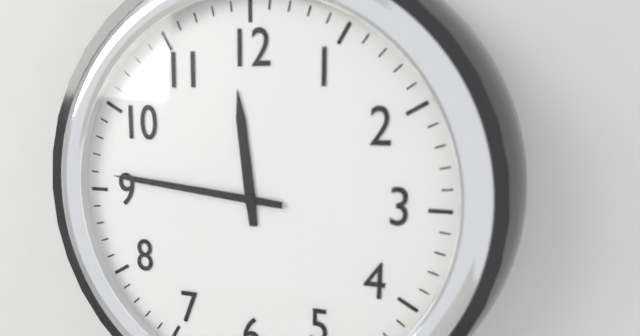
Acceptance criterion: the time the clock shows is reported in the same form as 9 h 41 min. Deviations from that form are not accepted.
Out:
11 h 46 min
